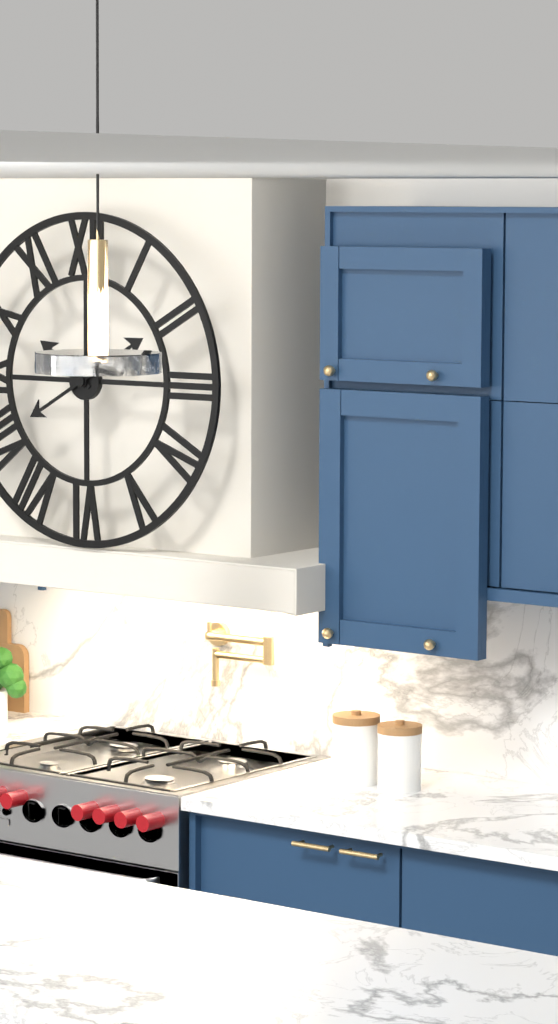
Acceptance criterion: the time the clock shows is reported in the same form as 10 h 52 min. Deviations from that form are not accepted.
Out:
10 h 10 min
